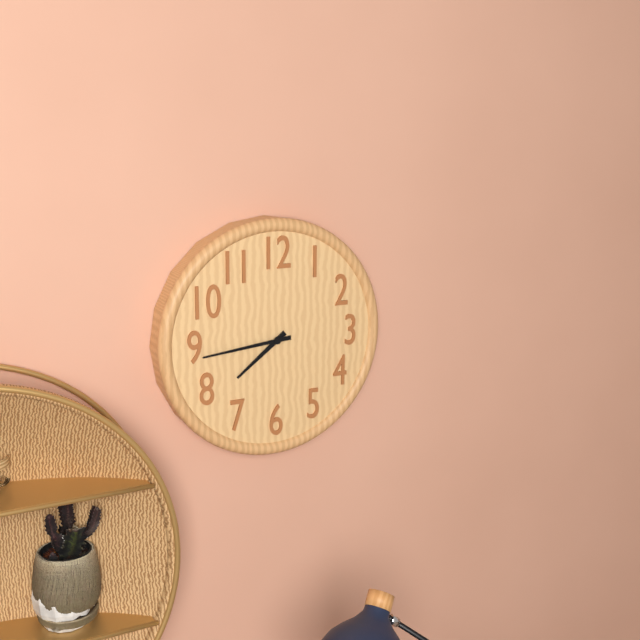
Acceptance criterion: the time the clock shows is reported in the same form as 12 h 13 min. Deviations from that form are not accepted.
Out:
7 h 44 min
